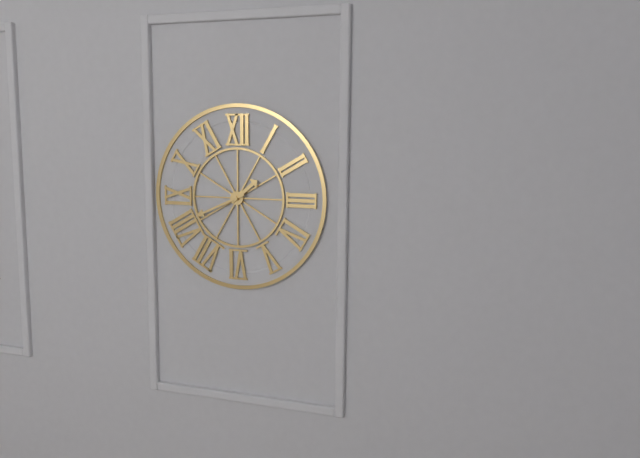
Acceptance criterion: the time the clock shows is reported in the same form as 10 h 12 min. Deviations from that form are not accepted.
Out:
1 h 41 min
